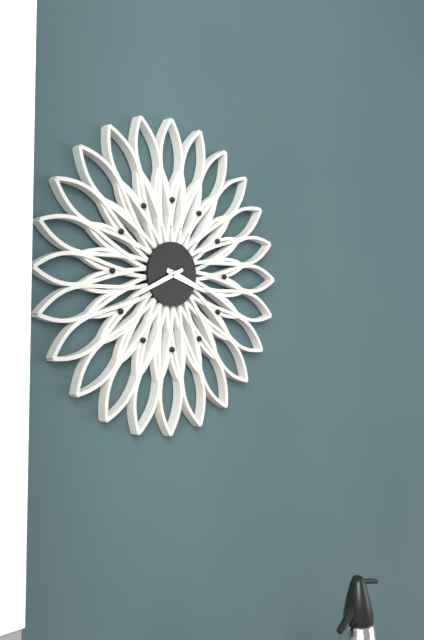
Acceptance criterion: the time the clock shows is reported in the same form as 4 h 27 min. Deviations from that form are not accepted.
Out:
3 h 41 min
